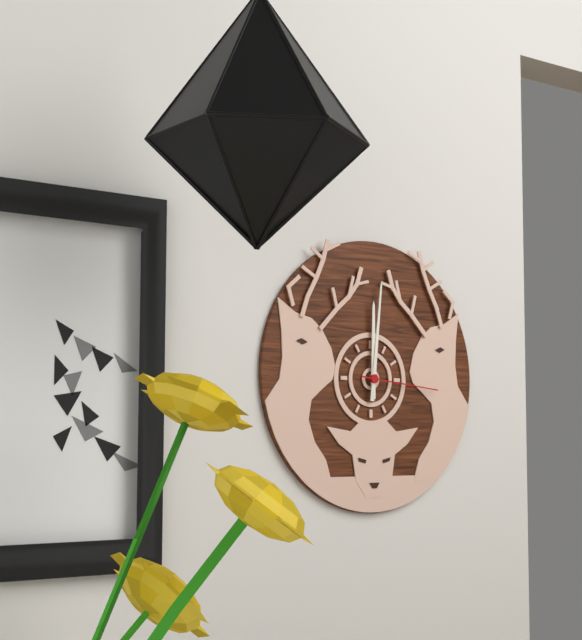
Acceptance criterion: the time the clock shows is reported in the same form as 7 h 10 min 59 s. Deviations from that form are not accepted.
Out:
12 h 01 min 16 s
